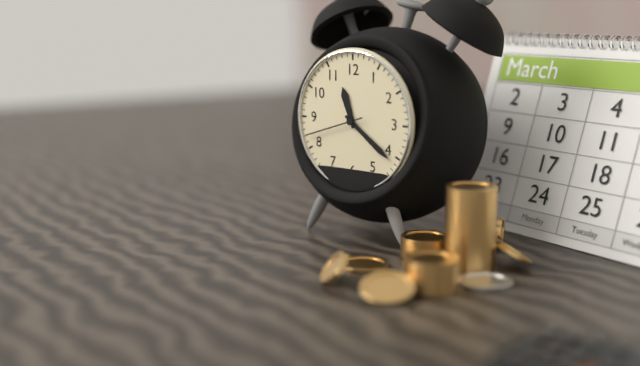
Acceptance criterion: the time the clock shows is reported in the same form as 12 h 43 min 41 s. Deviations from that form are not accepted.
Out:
11 h 21 min 42 s
